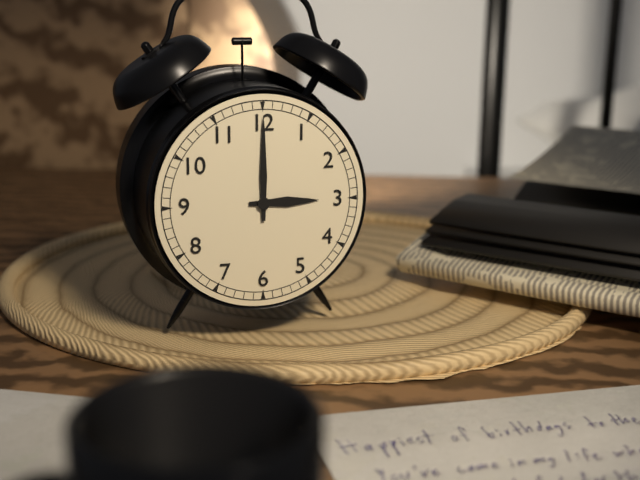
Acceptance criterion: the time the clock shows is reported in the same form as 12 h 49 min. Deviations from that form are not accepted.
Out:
3 h 00 min
